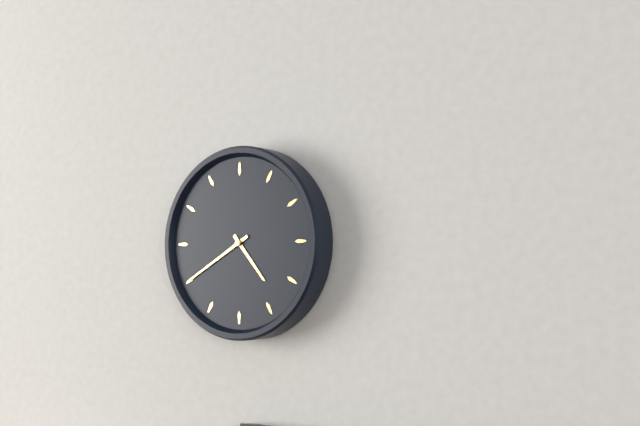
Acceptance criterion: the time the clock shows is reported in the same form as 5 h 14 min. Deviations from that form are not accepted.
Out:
4 h 40 min
